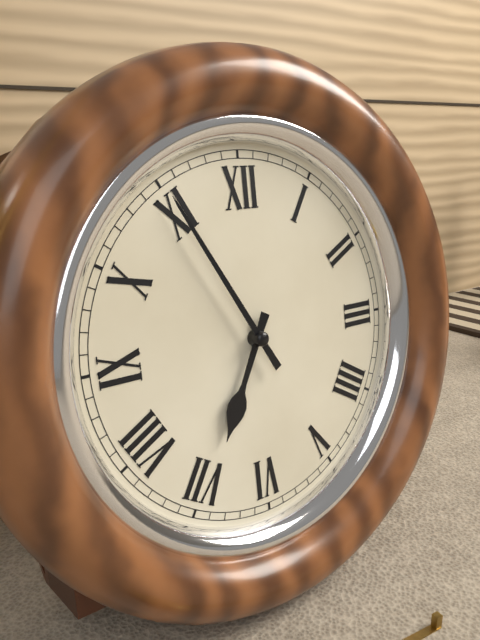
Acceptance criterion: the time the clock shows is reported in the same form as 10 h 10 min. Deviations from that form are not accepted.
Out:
6 h 55 min
